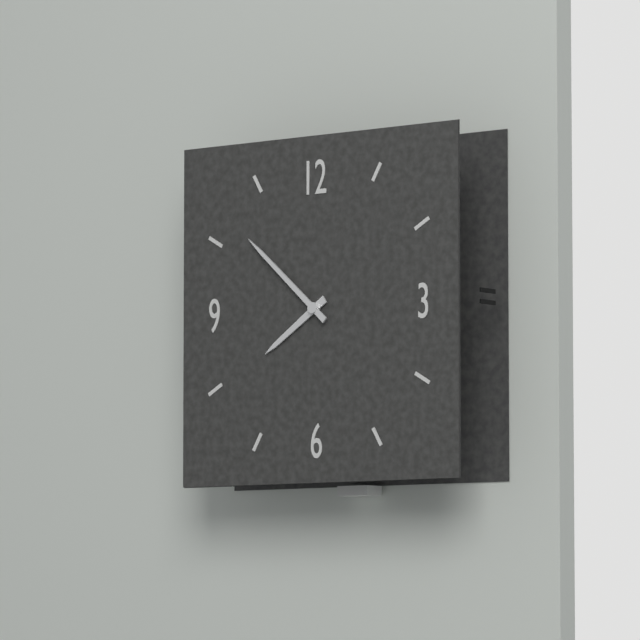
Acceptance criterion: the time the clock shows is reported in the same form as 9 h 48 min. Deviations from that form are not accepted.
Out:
7 h 52 min
